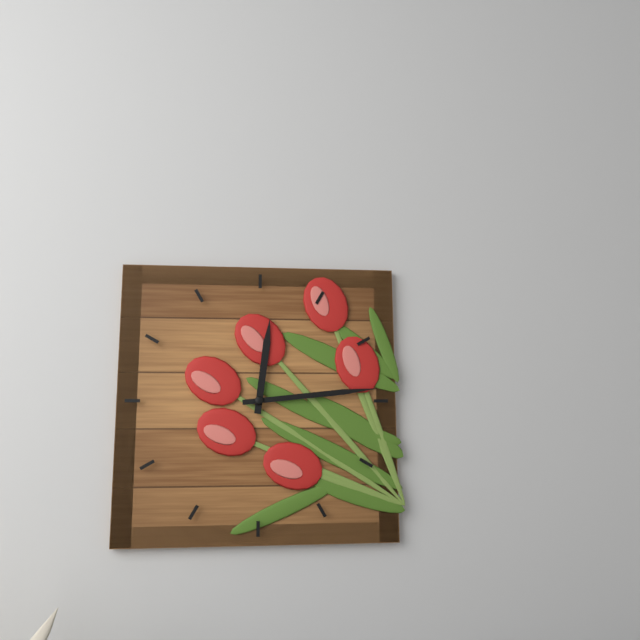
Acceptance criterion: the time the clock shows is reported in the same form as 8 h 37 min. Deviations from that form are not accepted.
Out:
12 h 14 min
